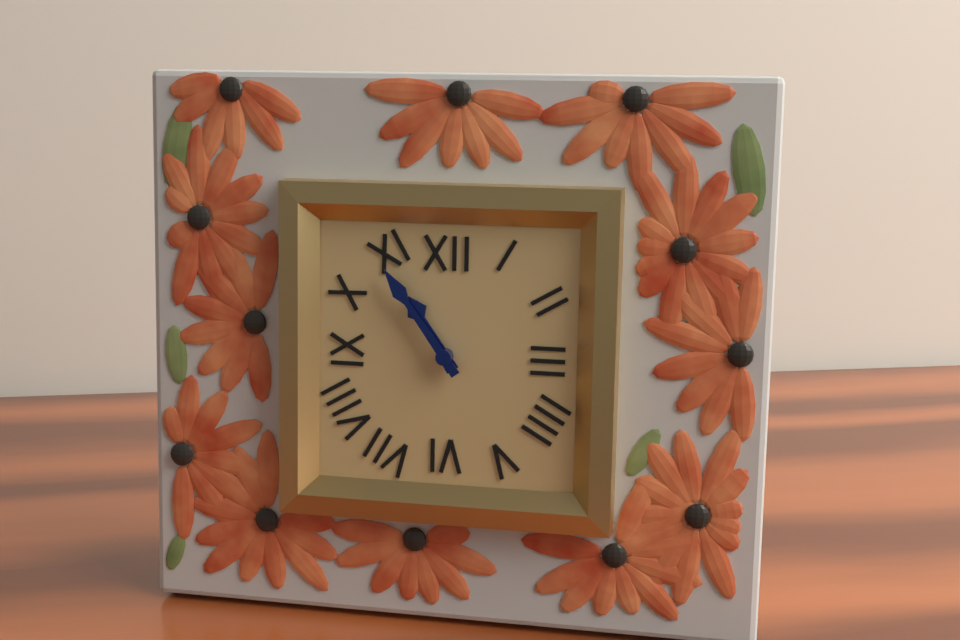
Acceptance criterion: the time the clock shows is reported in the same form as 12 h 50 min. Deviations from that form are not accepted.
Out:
10 h 54 min
